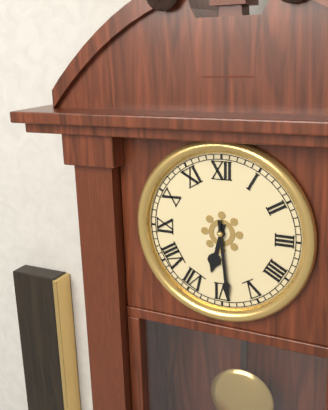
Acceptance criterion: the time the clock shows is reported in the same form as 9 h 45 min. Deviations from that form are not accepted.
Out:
6 h 29 min
